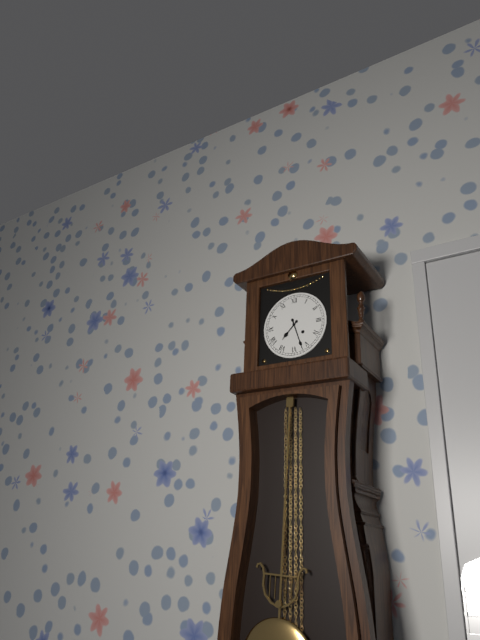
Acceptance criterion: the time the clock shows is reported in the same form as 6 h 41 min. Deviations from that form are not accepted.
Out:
7 h 27 min
